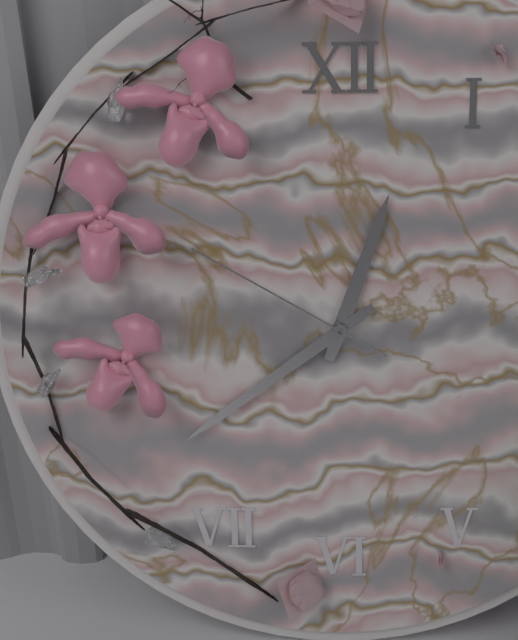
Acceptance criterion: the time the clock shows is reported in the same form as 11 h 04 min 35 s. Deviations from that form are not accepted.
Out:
12 h 39 min 50 s
